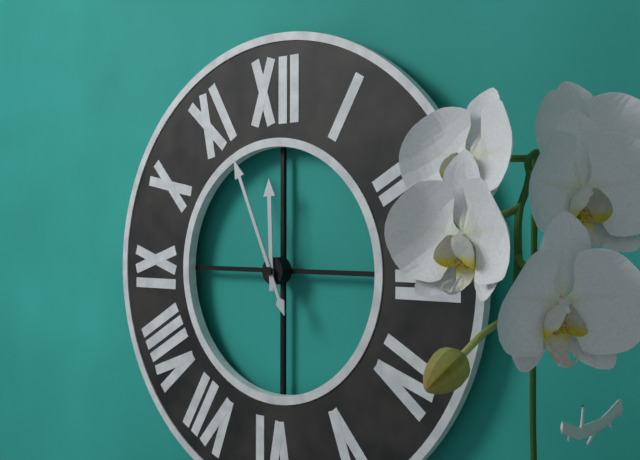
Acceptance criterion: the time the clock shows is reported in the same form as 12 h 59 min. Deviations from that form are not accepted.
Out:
11 h 56 min
